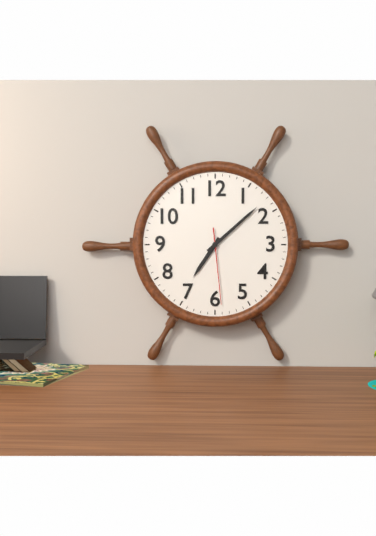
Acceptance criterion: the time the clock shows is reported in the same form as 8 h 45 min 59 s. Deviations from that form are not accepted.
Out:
7 h 08 min 29 s
